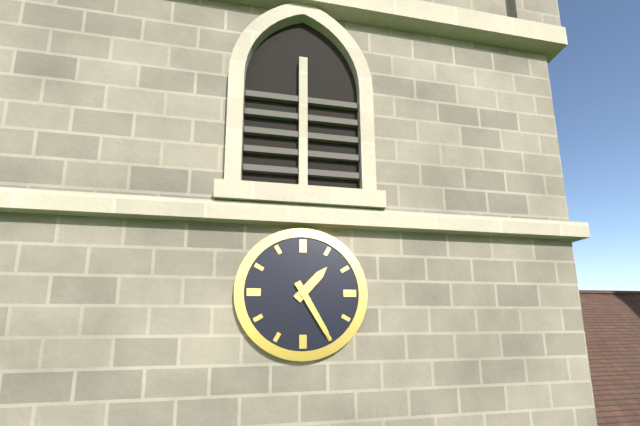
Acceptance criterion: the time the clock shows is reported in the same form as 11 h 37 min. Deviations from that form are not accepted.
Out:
1 h 25 min
